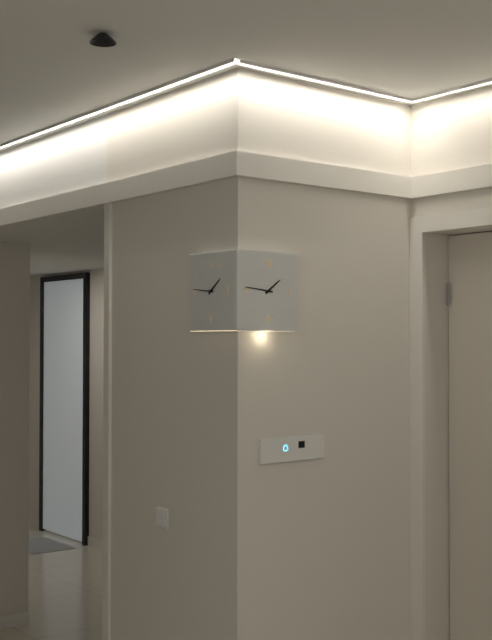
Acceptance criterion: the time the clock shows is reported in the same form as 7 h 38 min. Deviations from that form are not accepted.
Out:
1 h 46 min
